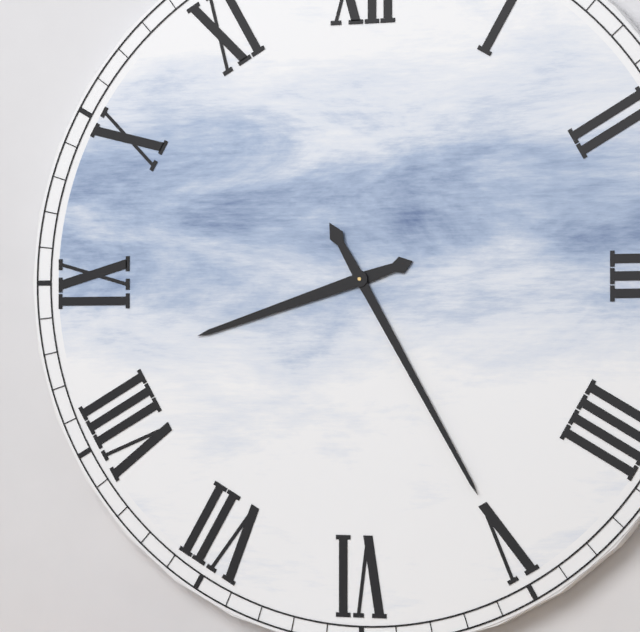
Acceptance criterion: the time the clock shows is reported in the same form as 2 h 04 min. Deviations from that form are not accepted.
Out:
8 h 25 min
